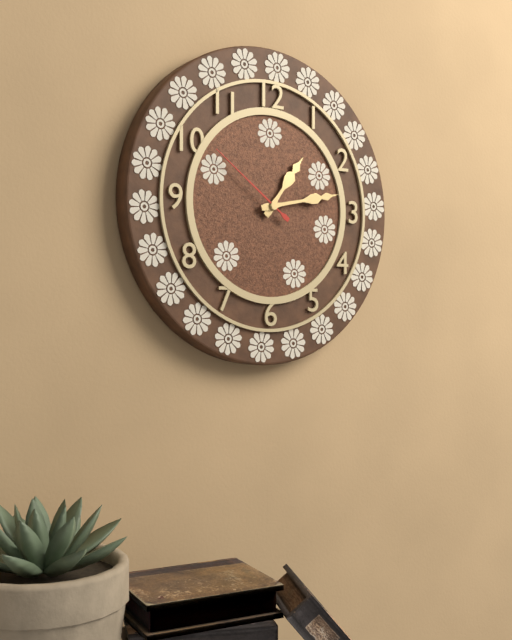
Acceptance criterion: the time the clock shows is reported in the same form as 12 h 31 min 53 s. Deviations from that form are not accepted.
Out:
1 h 13 min 51 s
